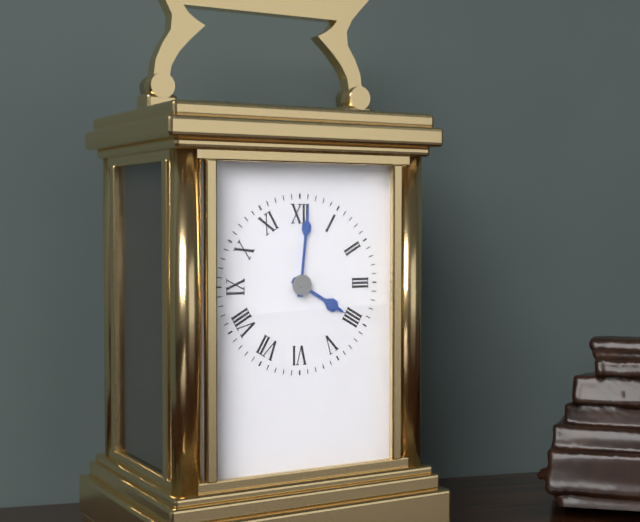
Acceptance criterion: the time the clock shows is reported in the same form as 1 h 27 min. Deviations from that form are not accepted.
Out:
4 h 01 min
